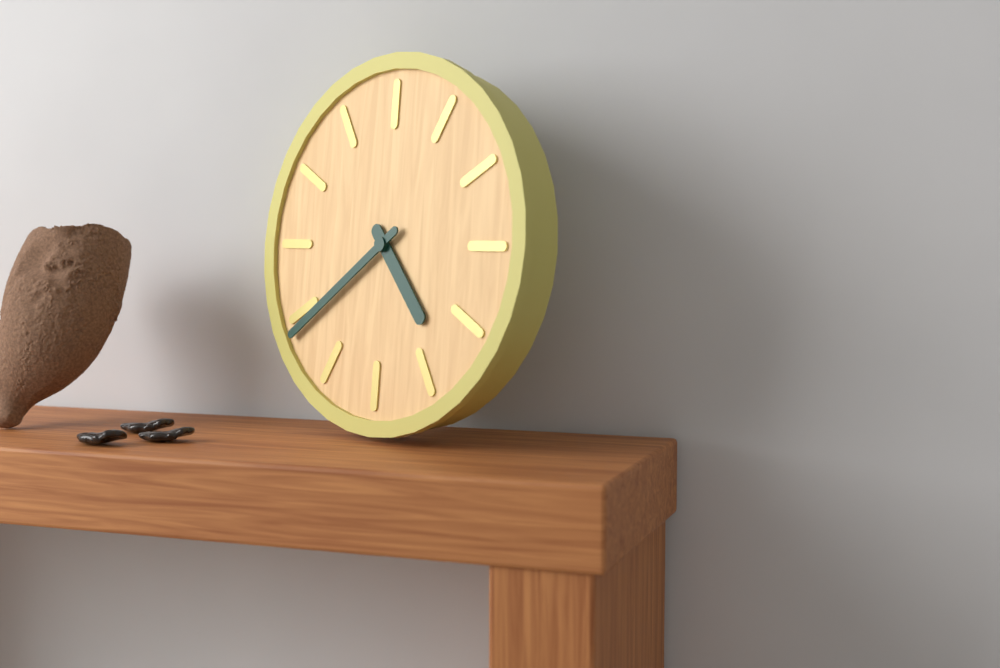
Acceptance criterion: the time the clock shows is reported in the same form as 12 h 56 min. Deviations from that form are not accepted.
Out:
4 h 39 min
